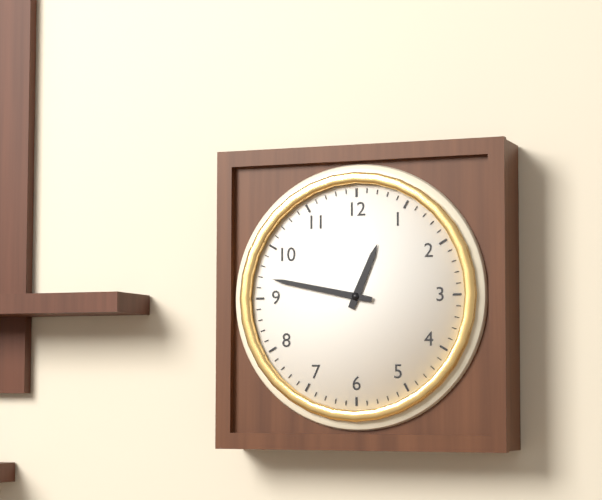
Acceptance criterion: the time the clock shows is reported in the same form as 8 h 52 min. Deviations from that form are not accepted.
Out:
12 h 47 min
